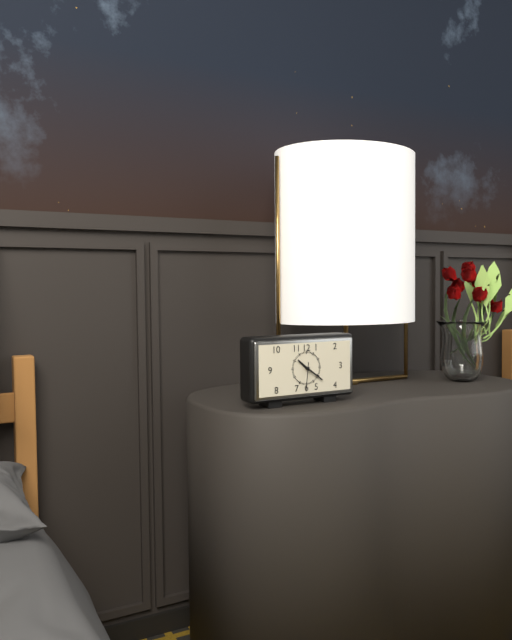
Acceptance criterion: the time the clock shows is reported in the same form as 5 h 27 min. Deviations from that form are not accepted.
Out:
10 h 21 min
